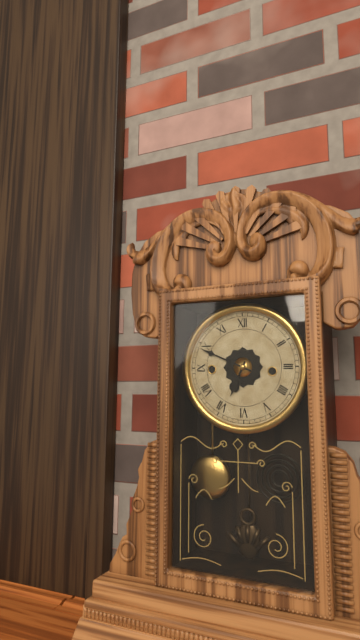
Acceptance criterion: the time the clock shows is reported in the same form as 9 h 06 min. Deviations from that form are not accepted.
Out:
6 h 49 min
